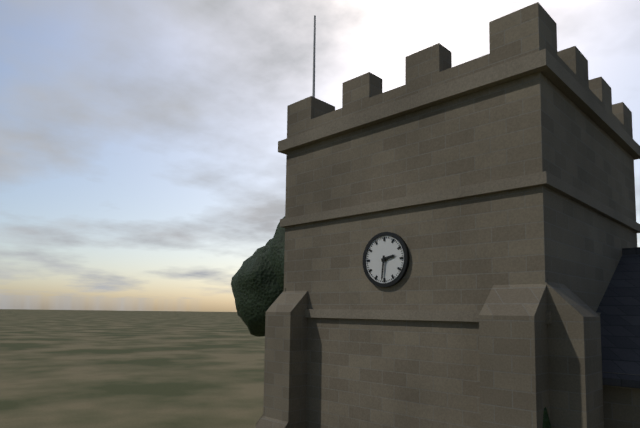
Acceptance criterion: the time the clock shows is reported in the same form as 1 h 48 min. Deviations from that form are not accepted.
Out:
2 h 31 min
